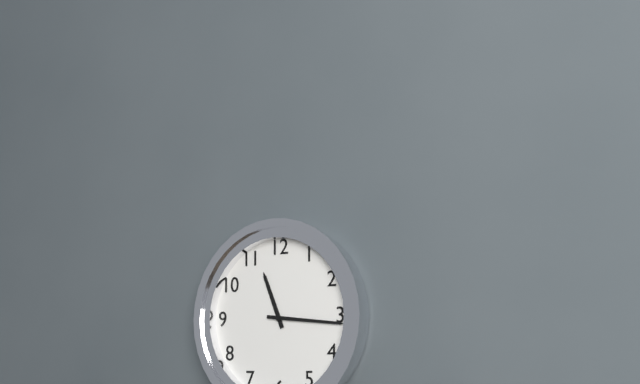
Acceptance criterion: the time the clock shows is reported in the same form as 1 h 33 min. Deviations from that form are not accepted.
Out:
11 h 16 min
